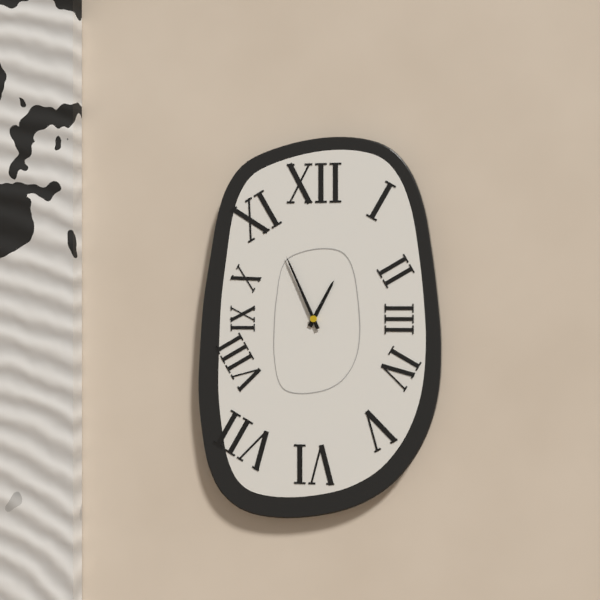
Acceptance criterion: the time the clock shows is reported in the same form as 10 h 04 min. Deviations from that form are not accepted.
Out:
12 h 56 min
